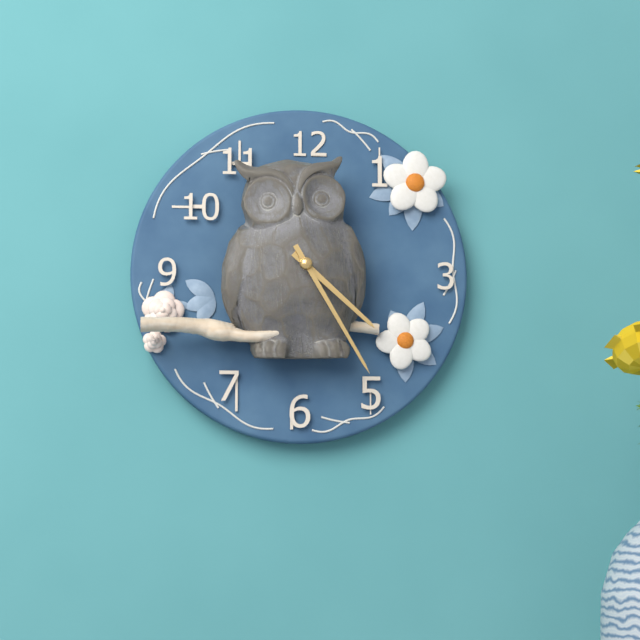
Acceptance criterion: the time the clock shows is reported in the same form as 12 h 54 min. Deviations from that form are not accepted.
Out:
4 h 25 min
